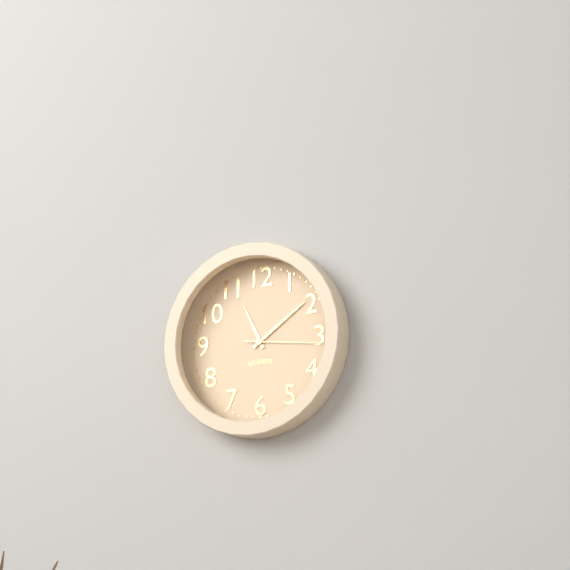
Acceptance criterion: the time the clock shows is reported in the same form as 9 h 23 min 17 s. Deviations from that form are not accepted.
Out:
11 h 09 min 16 s
